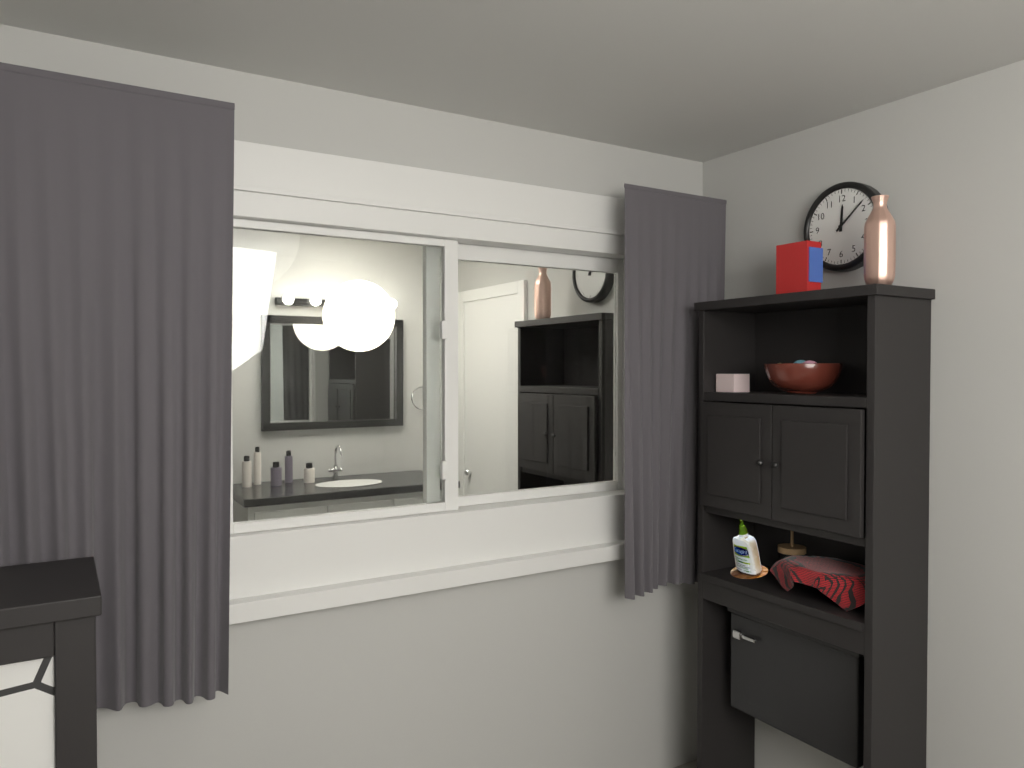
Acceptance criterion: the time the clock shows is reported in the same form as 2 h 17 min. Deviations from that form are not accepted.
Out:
12 h 08 min
